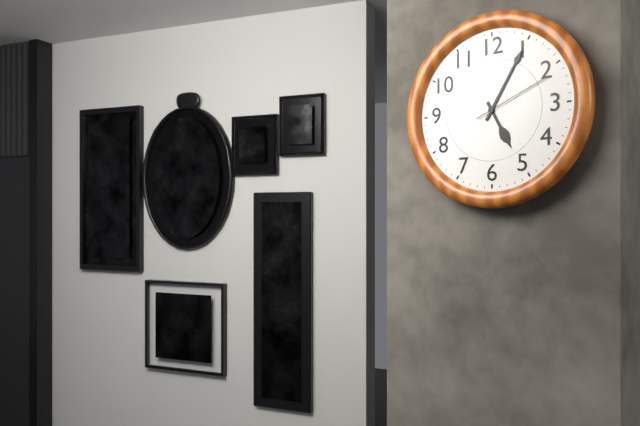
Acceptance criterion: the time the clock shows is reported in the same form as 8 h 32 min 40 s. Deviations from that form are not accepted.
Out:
5 h 05 min 11 s
